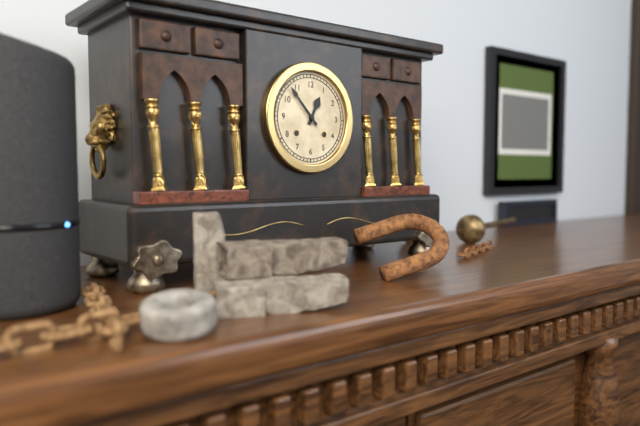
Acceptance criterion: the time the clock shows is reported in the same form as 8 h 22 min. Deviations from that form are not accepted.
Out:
12 h 53 min
